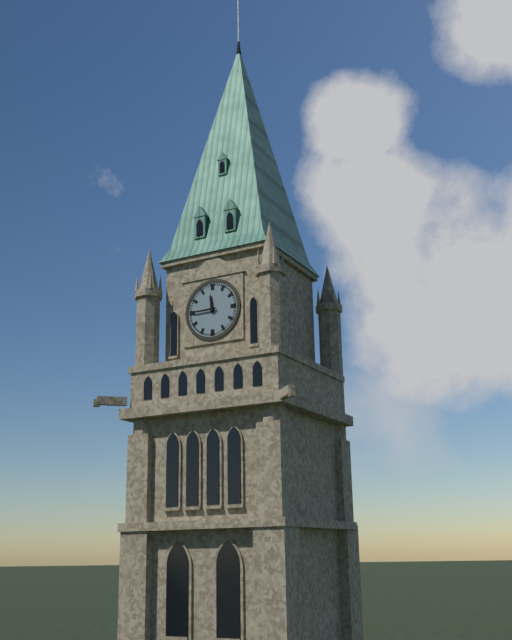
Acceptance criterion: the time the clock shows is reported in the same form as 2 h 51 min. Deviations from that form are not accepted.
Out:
11 h 45 min
